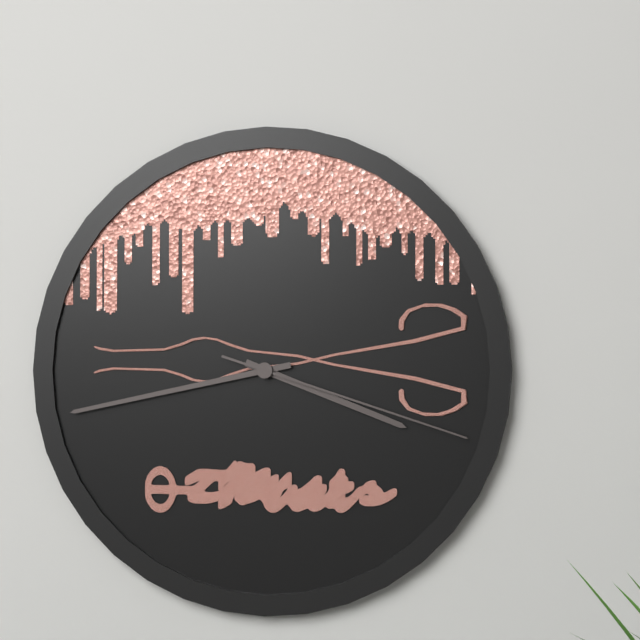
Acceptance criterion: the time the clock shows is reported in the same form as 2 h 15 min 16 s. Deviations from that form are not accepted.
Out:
3 h 43 min 18 s
